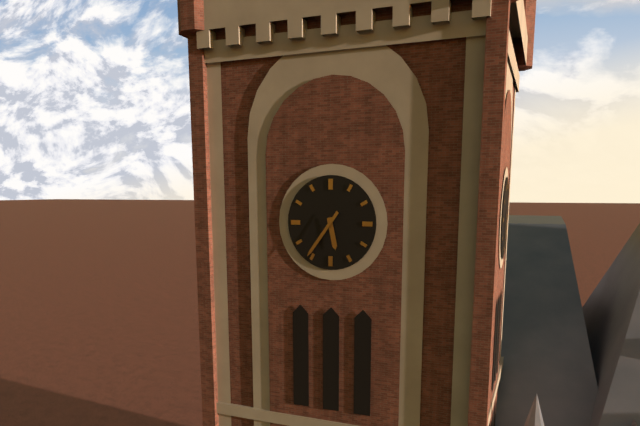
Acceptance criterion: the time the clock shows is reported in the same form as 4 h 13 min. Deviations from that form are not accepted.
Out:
5 h 36 min
